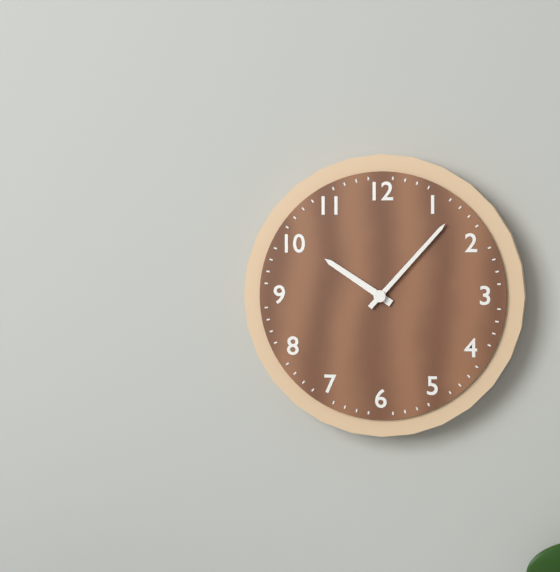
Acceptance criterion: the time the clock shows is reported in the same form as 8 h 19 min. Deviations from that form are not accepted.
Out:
10 h 07 min
